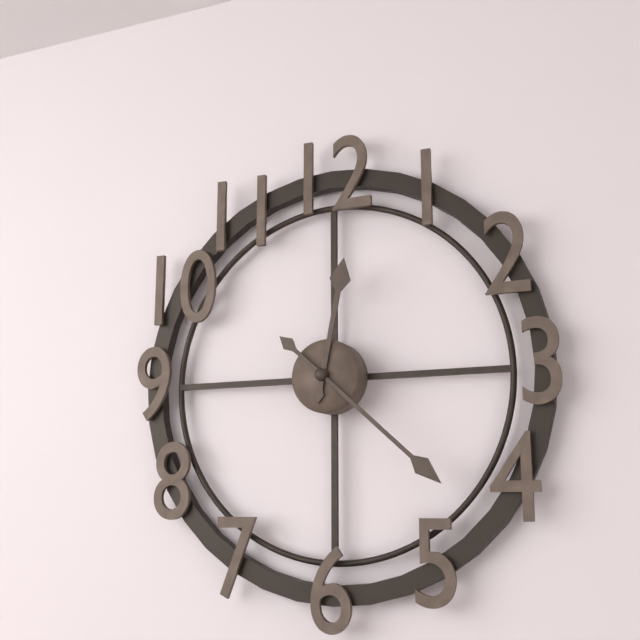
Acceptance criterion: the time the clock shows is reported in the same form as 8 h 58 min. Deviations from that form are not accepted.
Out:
12 h 22 min
